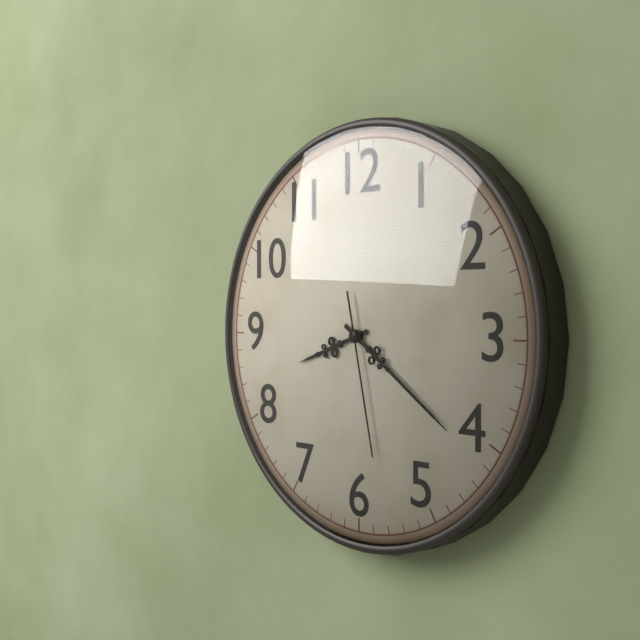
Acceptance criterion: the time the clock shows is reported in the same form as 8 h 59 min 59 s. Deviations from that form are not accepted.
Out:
8 h 21 min 28 s
